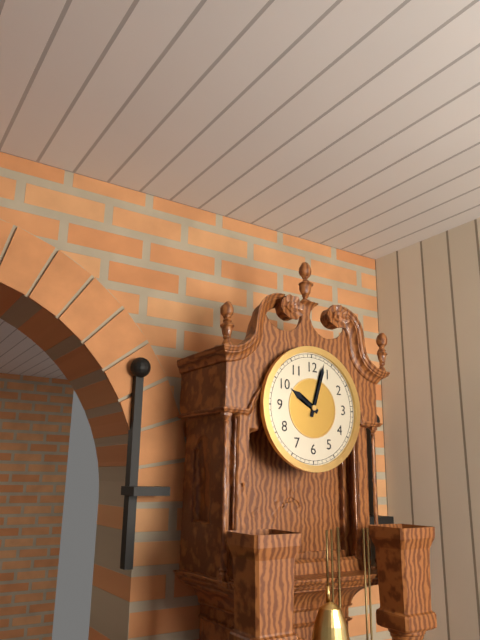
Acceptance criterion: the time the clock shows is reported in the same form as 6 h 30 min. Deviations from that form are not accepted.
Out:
10 h 03 min
